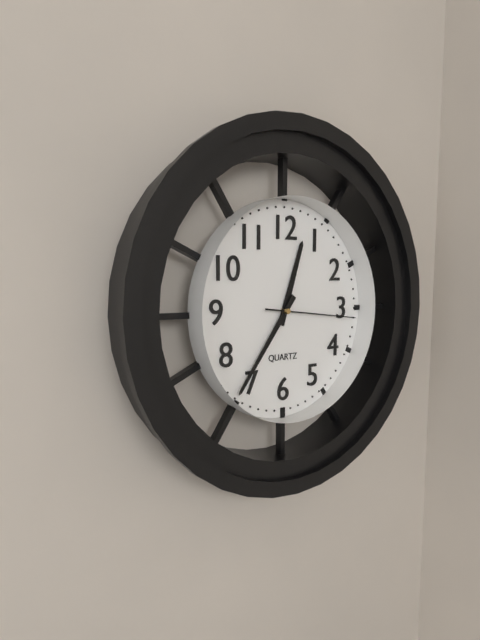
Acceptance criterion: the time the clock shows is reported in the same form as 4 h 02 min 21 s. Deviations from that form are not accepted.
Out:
12 h 36 min 16 s
